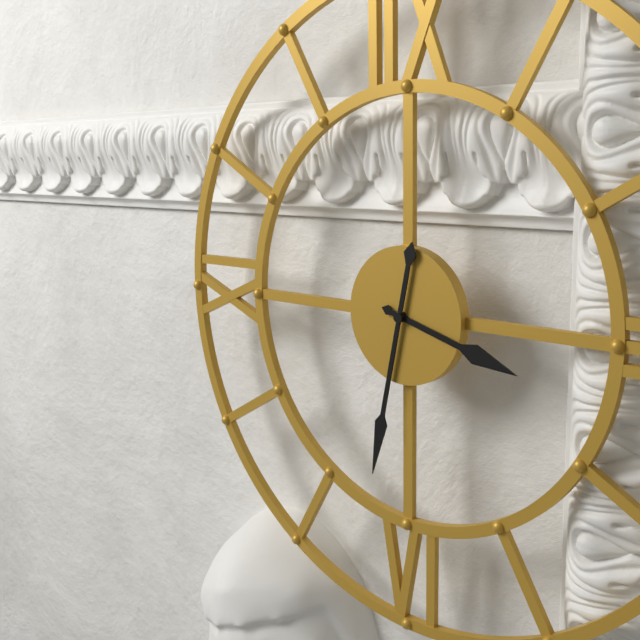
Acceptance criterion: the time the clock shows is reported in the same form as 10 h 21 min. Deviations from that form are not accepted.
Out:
3 h 32 min
